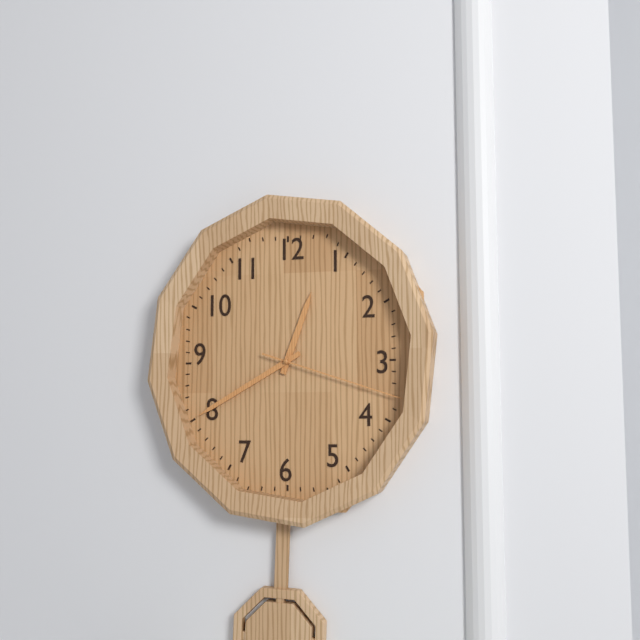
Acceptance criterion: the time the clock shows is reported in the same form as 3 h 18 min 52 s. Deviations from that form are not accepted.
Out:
12 h 40 min 18 s
